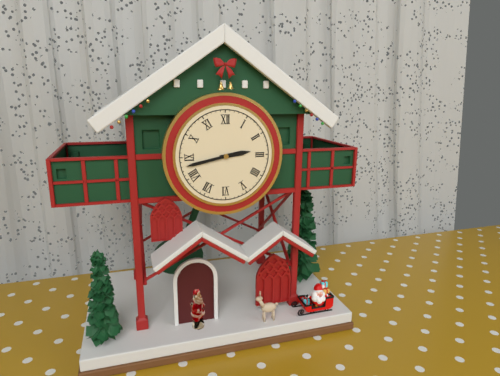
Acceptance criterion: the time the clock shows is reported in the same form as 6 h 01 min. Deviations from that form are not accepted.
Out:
2 h 43 min
